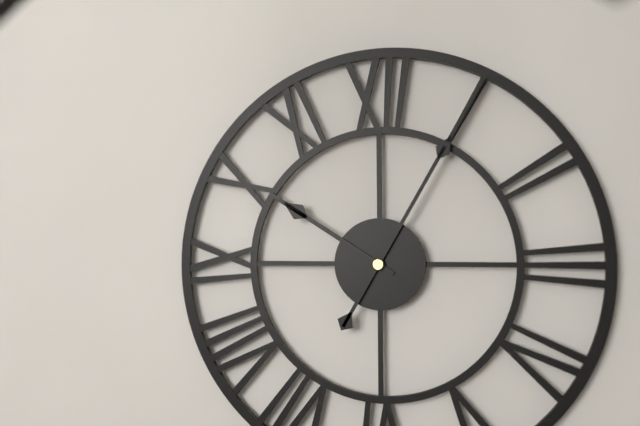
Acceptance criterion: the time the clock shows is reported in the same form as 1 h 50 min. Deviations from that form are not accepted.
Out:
10 h 05 min
